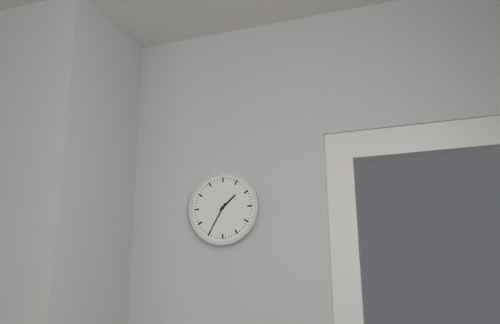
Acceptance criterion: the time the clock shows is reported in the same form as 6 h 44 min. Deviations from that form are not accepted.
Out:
1 h 35 min
